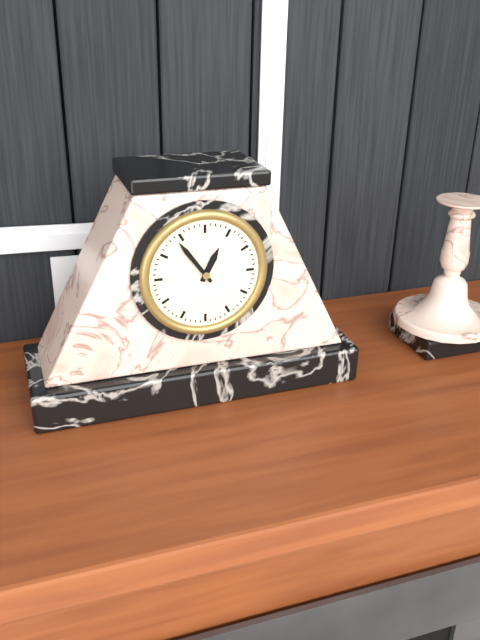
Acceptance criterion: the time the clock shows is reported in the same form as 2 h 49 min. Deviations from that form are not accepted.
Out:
12 h 54 min
